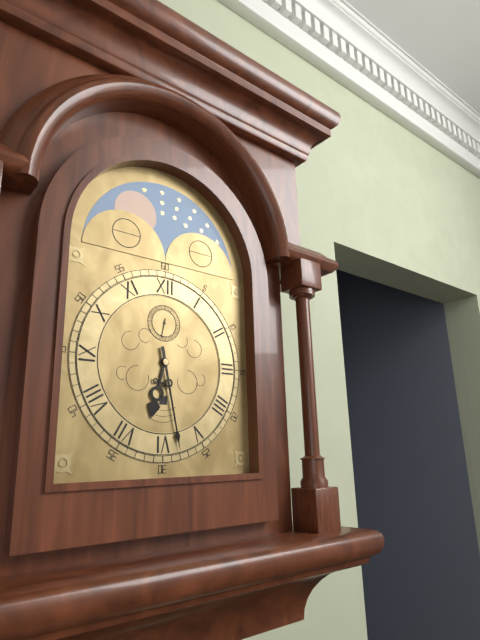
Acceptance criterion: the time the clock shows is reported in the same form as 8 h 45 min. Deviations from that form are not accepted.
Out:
6 h 28 min
